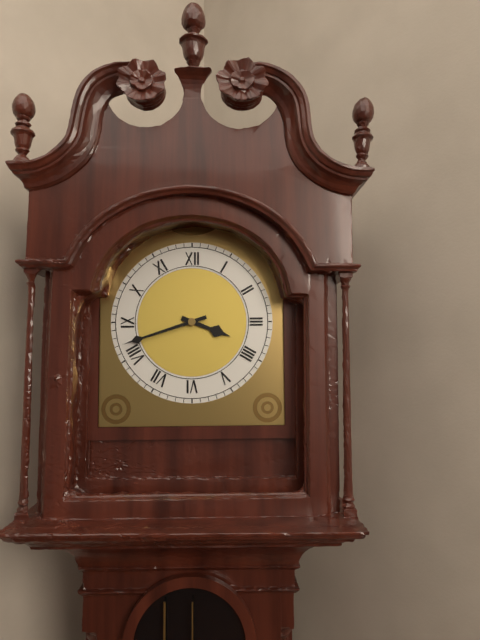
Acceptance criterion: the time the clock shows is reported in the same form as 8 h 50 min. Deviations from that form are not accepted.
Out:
3 h 42 min
